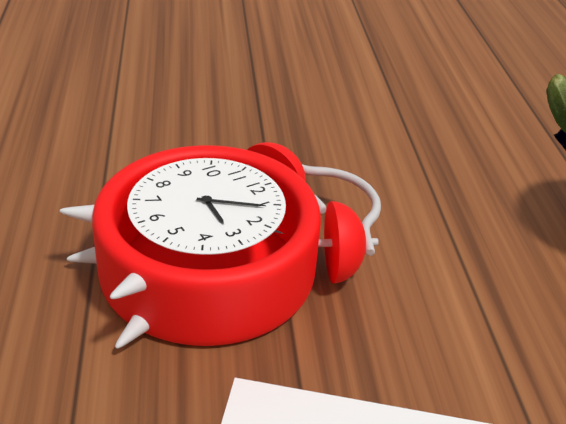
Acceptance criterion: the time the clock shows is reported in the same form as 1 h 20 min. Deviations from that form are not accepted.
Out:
3 h 06 min
